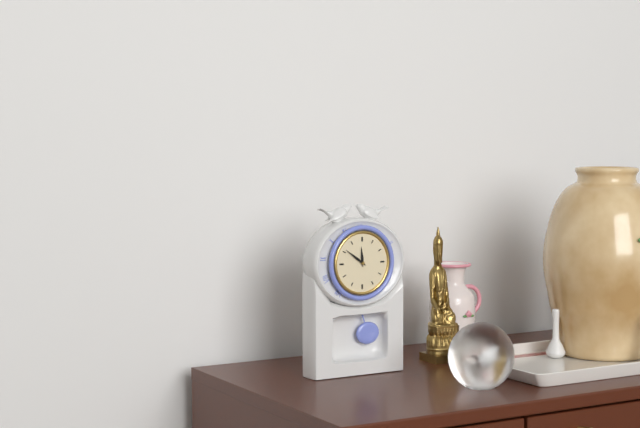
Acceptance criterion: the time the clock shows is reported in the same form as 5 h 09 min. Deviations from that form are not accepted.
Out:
11 h 51 min
